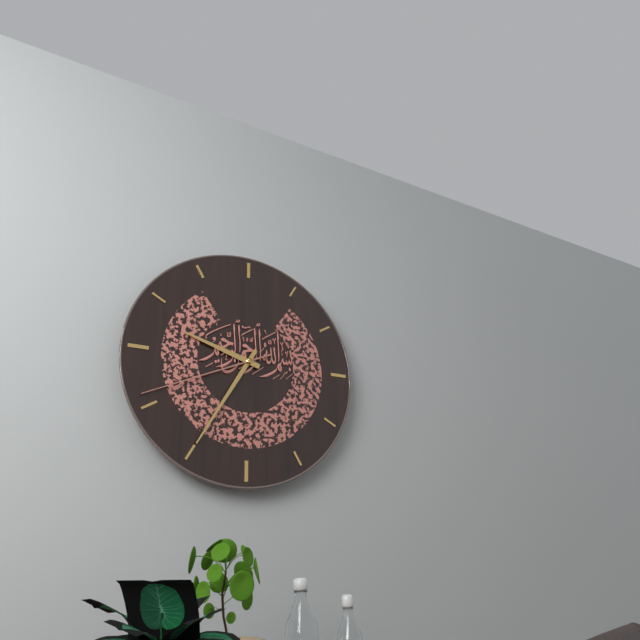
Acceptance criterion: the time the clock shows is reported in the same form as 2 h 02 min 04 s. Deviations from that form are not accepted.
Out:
9 h 35 min 41 s
